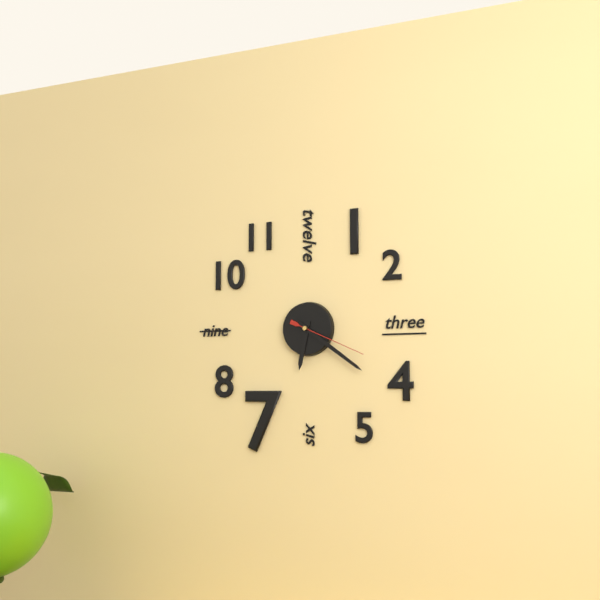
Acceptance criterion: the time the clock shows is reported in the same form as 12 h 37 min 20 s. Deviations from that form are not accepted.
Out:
6 h 21 min 19 s
